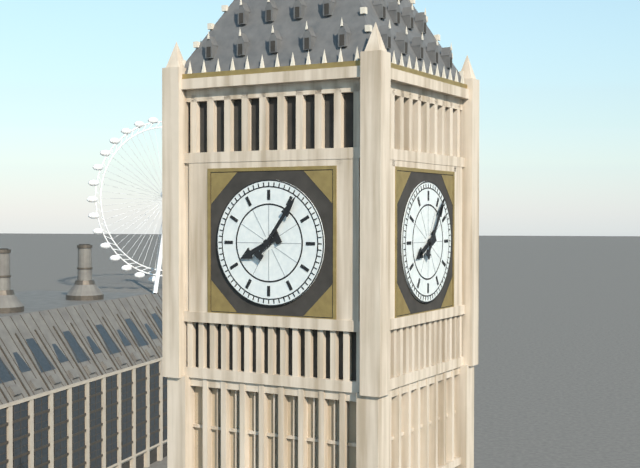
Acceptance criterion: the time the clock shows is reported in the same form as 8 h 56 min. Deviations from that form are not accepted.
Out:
8 h 06 min
